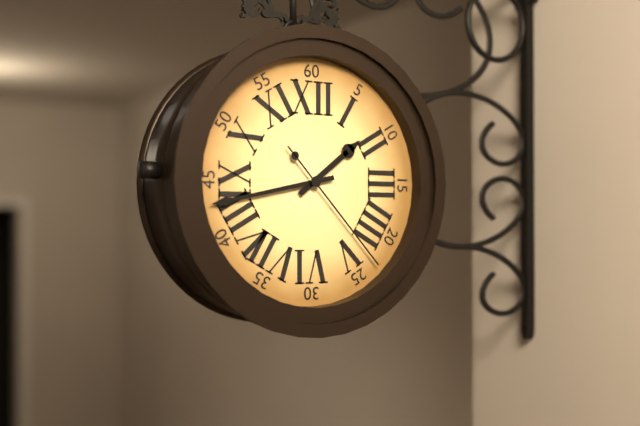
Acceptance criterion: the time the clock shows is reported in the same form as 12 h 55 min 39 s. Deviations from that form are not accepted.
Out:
1 h 43 min 23 s
